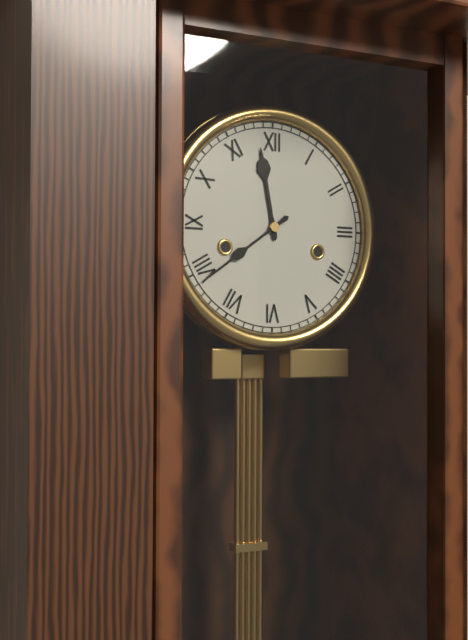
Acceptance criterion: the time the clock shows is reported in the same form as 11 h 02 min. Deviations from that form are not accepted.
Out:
11 h 39 min
